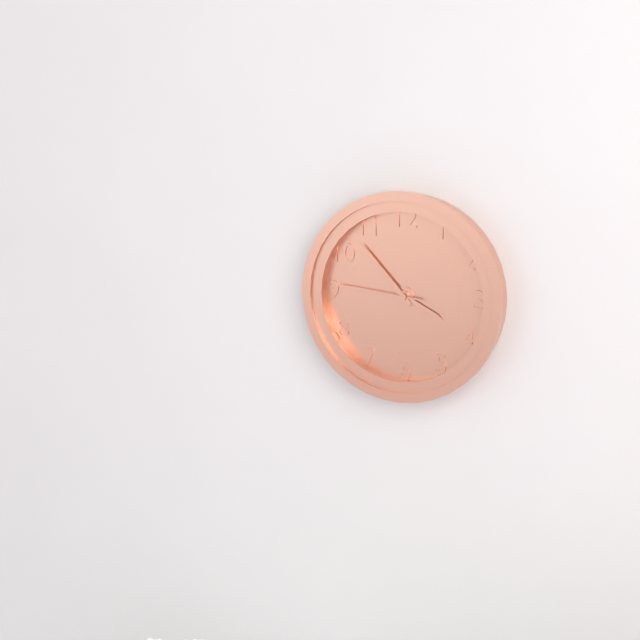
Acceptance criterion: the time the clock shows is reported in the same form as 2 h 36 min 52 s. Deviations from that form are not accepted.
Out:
3 h 53 min 46 s
